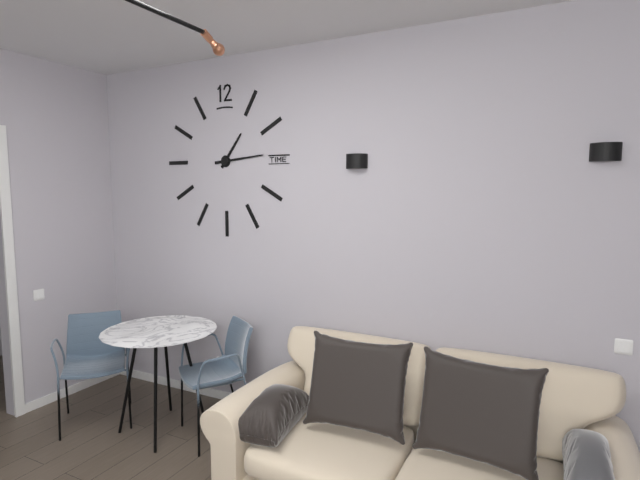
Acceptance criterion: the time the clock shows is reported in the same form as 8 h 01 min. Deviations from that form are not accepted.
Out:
1 h 14 min
